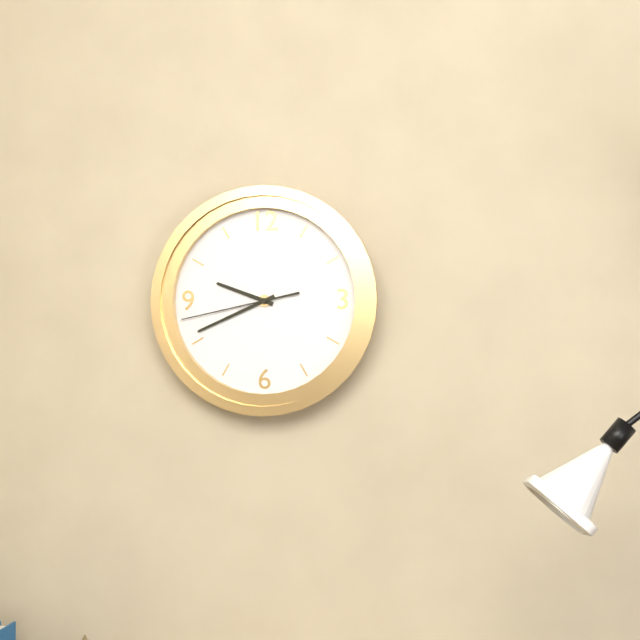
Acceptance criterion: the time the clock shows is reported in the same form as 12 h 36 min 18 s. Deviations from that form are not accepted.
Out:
9 h 41 min 43 s
